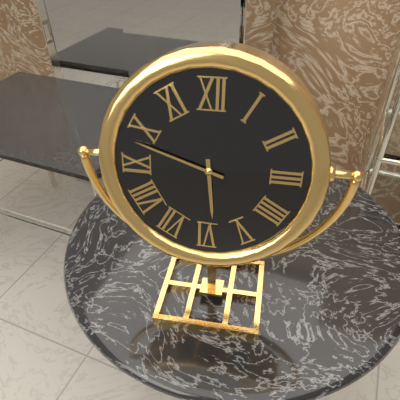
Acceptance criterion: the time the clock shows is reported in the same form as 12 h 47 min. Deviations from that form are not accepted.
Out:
5 h 48 min
